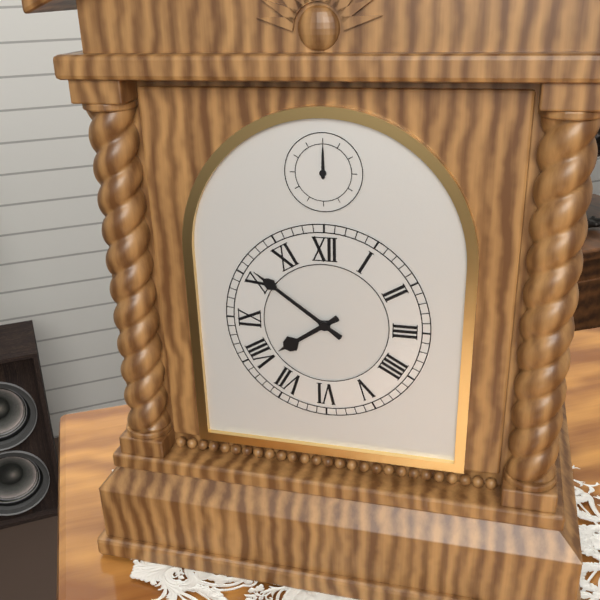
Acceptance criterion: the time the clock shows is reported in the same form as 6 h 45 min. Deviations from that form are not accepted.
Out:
7 h 51 min
